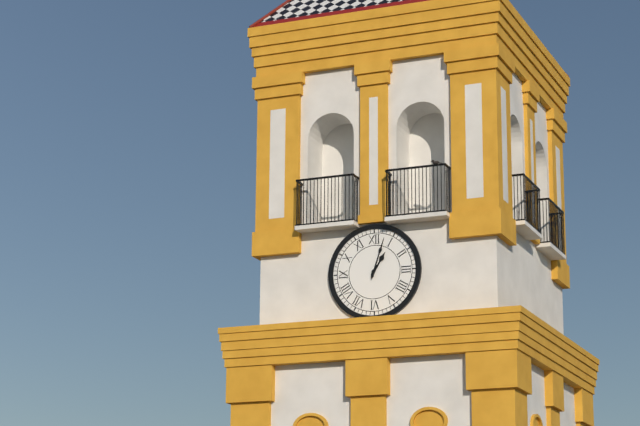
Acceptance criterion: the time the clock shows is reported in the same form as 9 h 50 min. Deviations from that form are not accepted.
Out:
1 h 03 min
